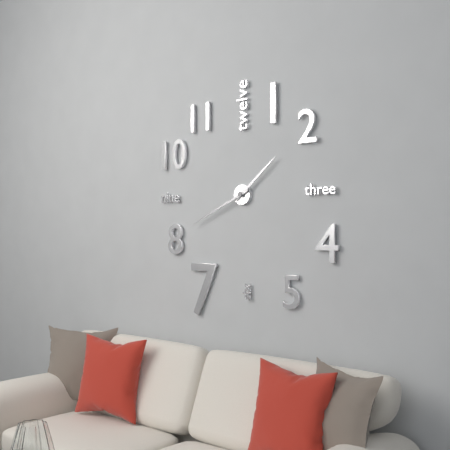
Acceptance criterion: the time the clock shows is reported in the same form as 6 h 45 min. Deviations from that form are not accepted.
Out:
1 h 41 min
